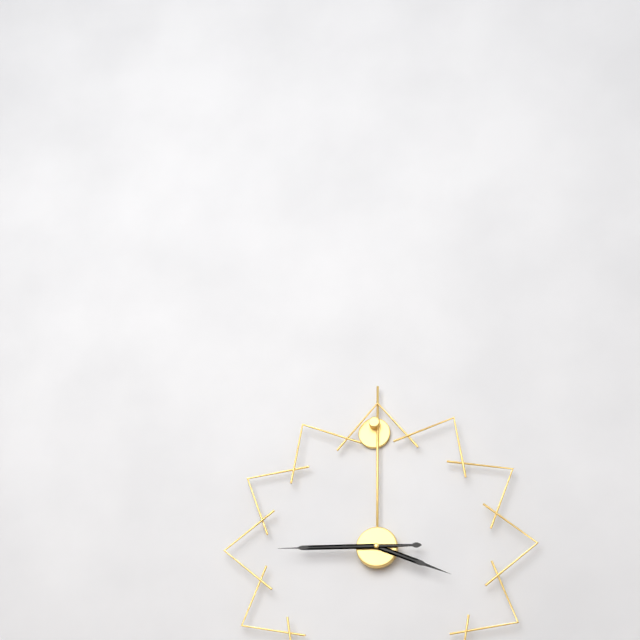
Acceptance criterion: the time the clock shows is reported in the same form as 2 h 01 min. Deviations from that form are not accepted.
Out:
3 h 45 min
